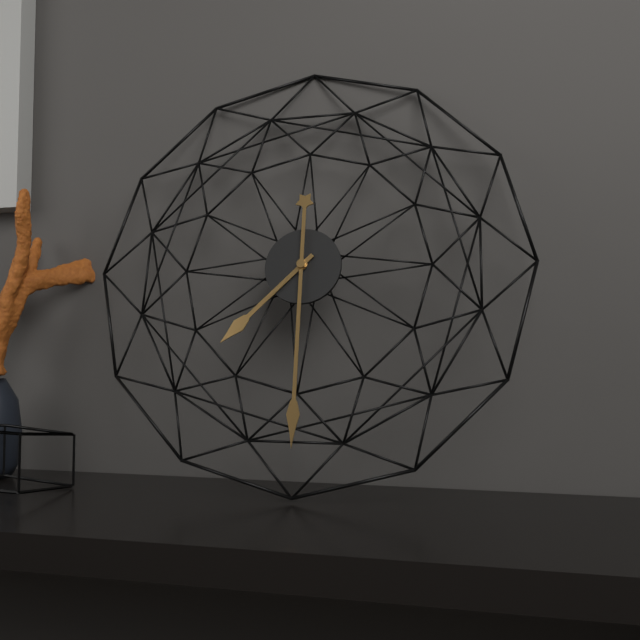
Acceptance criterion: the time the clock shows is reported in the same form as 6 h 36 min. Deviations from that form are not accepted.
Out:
7 h 30 min
